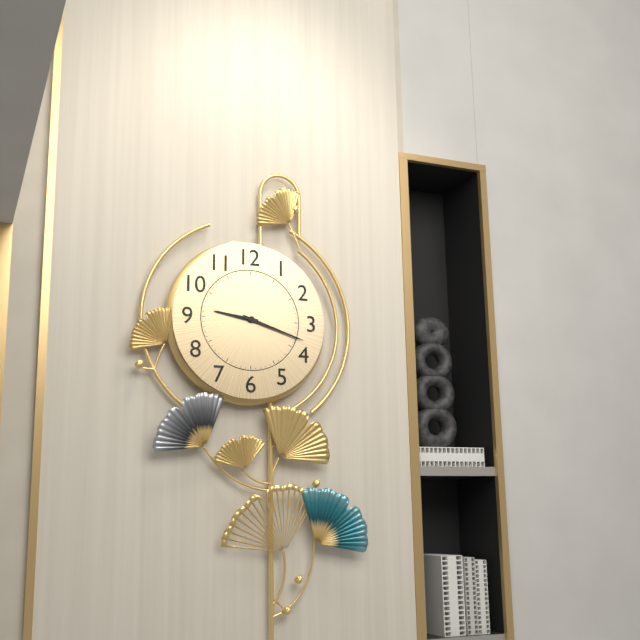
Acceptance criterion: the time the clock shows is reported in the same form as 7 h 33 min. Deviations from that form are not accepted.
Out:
9 h 18 min
